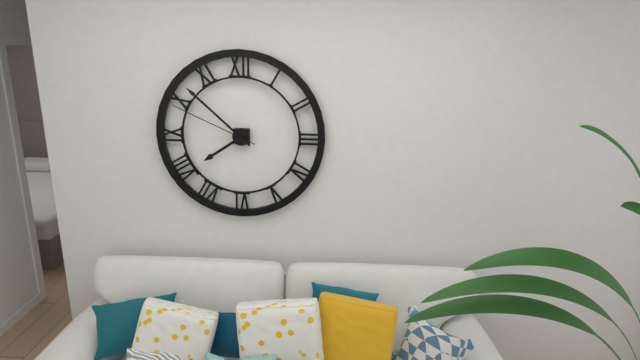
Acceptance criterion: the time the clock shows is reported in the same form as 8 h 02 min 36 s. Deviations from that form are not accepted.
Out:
7 h 52 min 49 s
